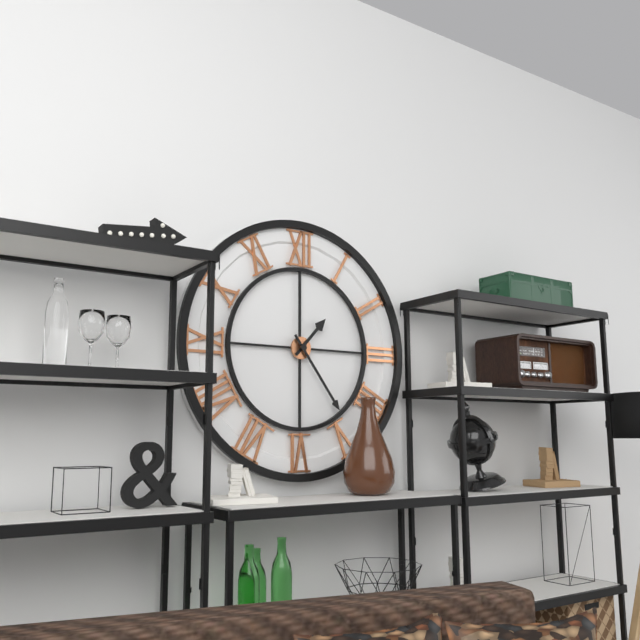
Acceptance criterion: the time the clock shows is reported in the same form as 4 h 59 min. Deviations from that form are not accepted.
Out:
1 h 24 min
